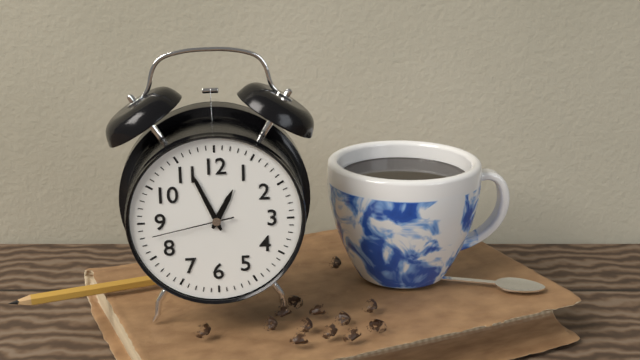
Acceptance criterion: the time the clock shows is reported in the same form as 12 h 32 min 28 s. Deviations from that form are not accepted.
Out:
12 h 56 min 43 s
